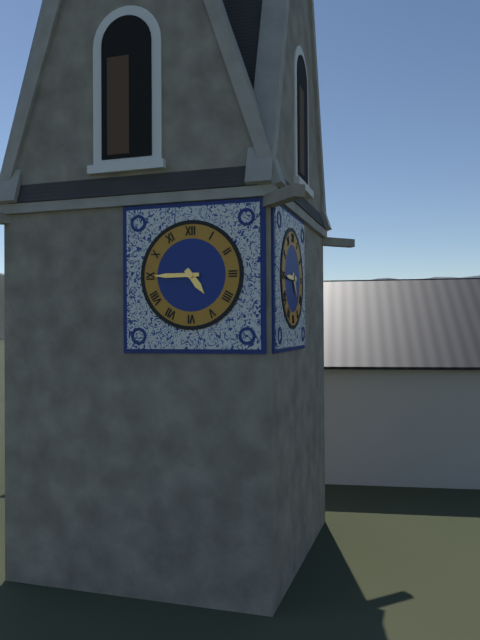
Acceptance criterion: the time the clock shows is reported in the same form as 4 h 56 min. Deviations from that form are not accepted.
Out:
4 h 45 min
